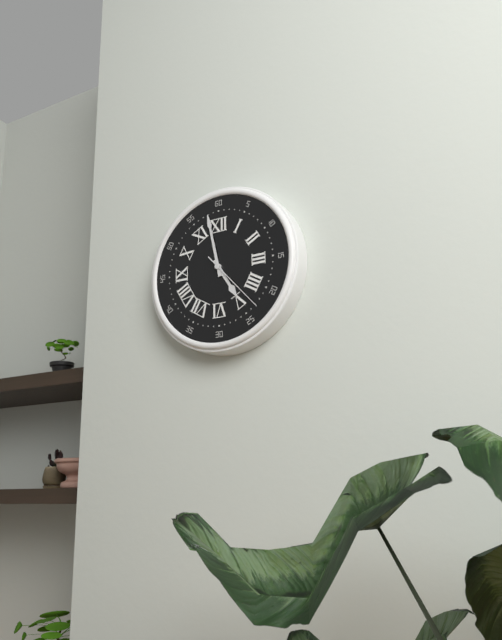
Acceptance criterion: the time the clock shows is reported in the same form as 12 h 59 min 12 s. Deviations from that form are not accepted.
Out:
4 h 58 min 23 s
